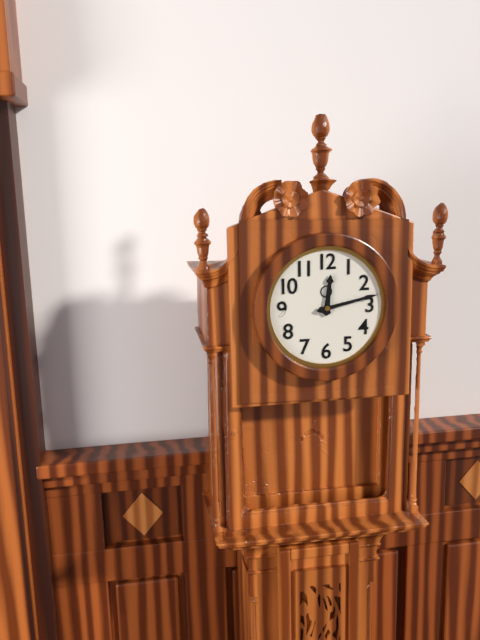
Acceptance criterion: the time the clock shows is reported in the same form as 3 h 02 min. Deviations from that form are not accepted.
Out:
12 h 13 min
